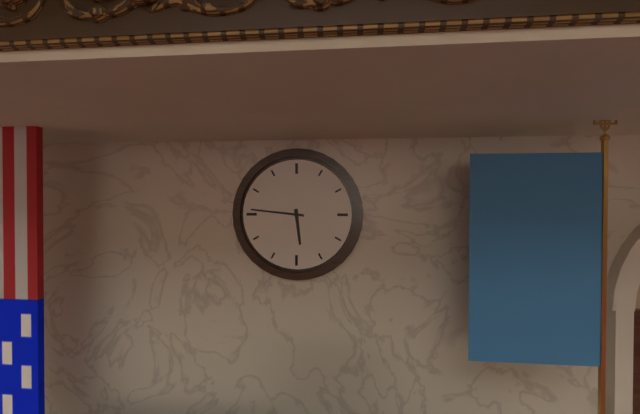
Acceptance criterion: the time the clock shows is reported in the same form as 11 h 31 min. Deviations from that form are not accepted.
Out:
5 h 46 min
